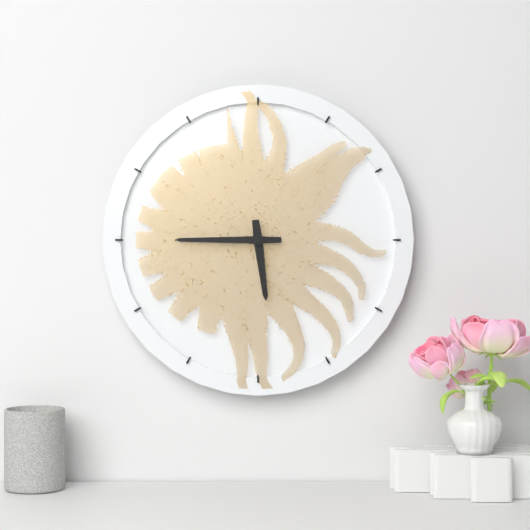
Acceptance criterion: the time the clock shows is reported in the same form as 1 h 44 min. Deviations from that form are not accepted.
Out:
5 h 45 min
